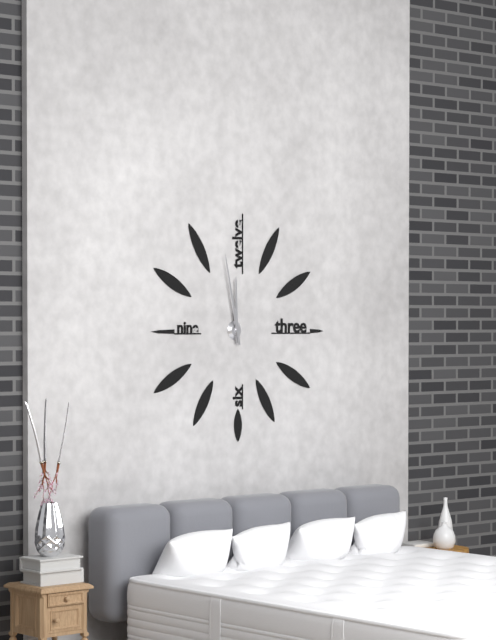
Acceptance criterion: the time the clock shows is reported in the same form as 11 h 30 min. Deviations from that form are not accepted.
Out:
11 h 58 min
